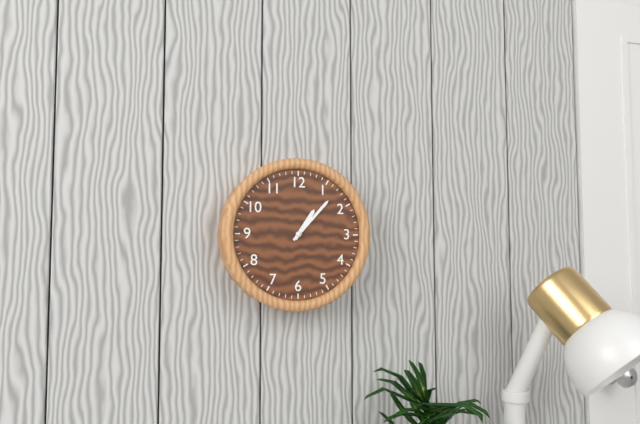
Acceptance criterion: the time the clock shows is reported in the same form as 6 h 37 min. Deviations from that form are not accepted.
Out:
1 h 07 min
